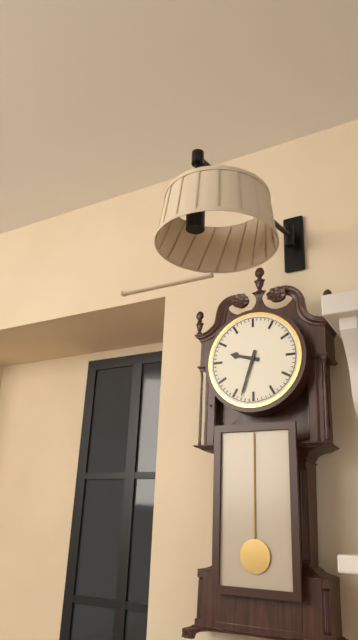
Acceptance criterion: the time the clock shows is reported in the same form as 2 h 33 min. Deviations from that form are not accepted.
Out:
9 h 33 min
